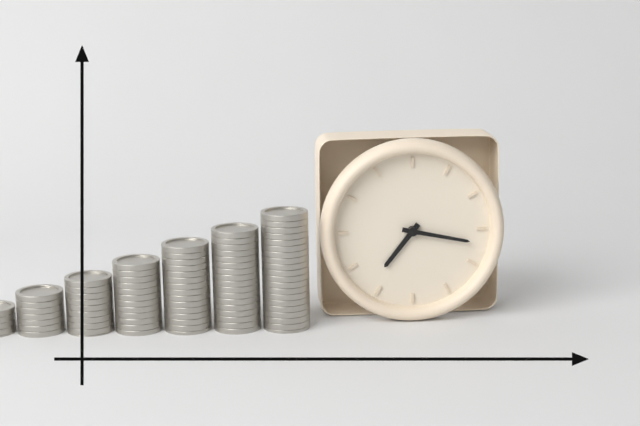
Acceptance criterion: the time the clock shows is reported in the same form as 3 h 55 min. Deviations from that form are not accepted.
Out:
7 h 17 min
